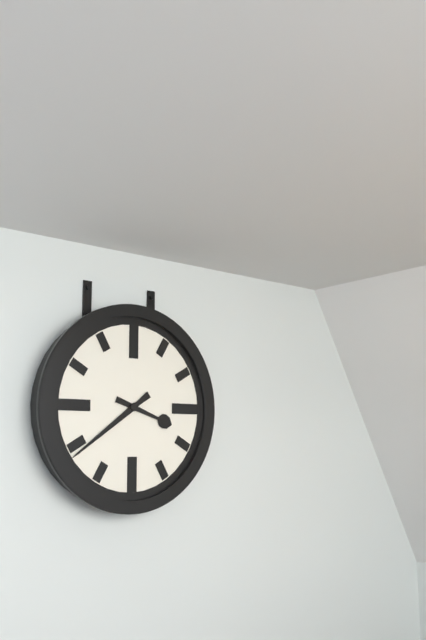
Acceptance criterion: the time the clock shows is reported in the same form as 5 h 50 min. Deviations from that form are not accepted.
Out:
3 h 39 min
